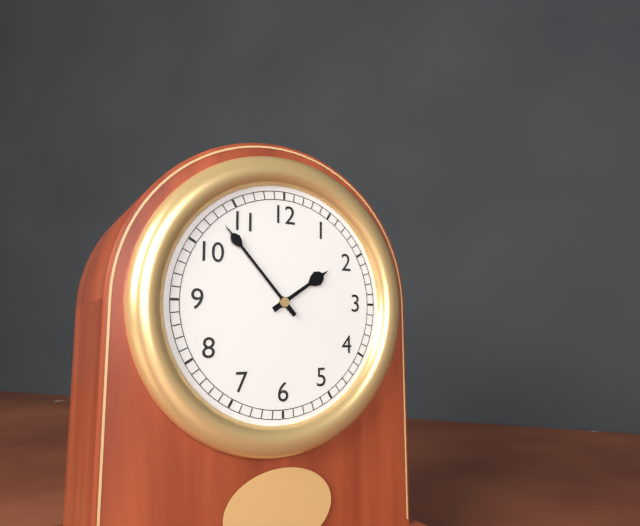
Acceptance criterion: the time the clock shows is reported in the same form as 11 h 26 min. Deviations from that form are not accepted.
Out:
1 h 53 min
